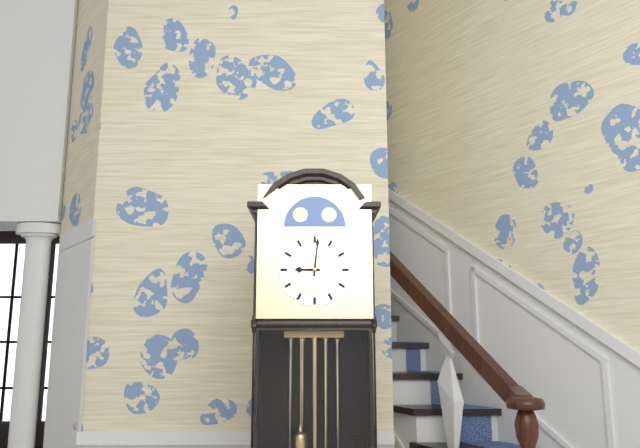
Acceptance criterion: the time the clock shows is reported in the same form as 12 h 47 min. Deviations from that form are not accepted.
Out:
9 h 01 min
